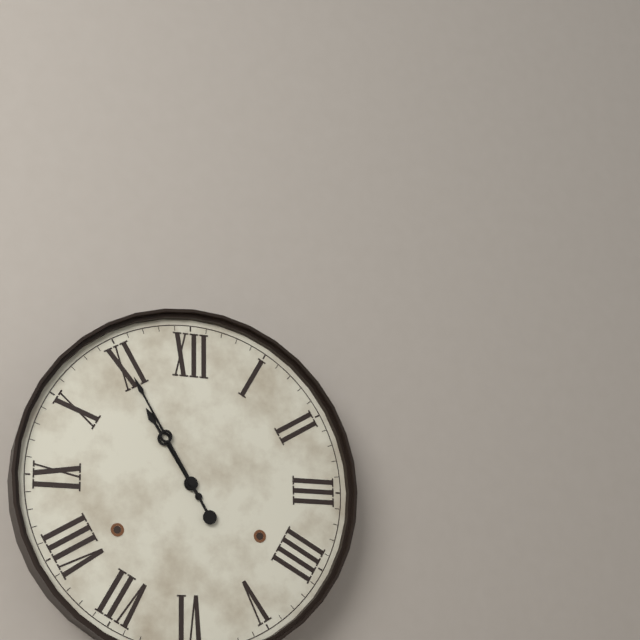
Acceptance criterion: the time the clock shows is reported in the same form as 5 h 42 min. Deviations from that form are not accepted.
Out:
10 h 55 min
